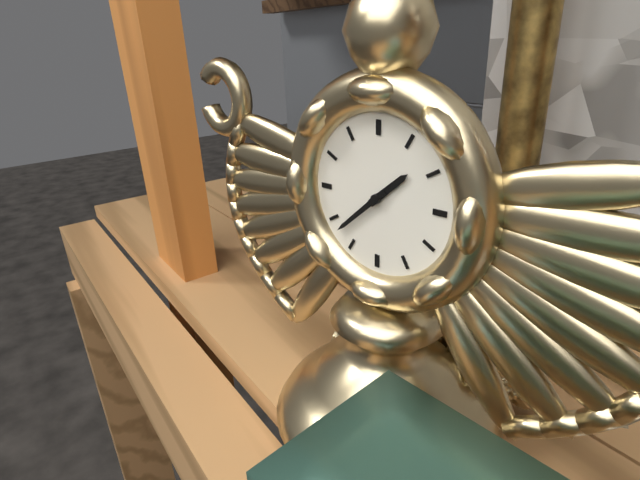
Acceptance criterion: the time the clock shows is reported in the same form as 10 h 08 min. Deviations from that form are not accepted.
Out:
1 h 38 min
